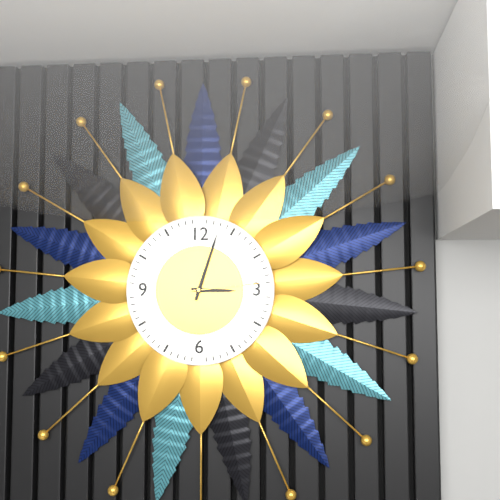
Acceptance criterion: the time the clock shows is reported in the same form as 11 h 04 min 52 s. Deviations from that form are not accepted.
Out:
3 h 03 min 14 s
